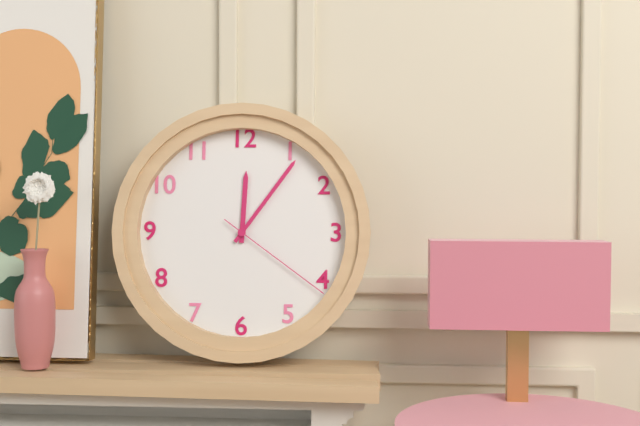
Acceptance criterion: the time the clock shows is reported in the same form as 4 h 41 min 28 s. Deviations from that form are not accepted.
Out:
12 h 06 min 21 s
